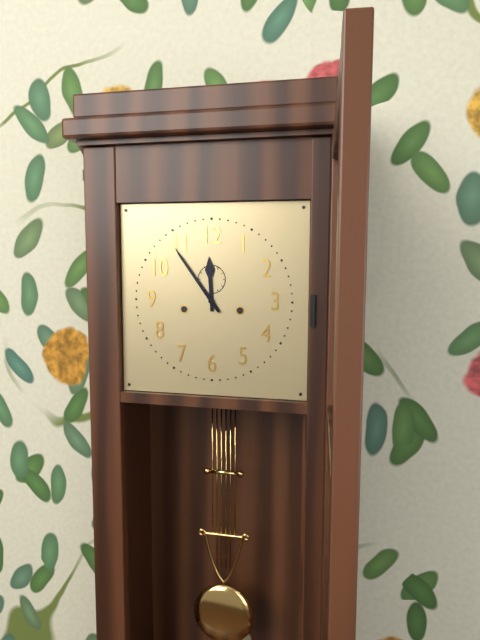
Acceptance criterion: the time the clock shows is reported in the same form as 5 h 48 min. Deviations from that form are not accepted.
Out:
11 h 54 min
